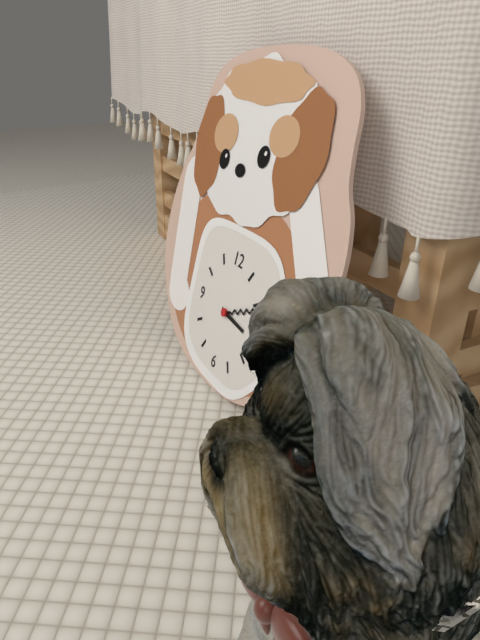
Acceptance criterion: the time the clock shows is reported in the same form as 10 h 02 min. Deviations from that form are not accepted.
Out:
3 h 11 min
